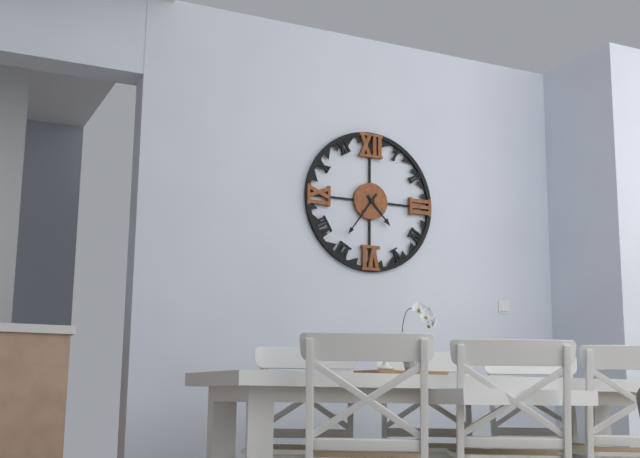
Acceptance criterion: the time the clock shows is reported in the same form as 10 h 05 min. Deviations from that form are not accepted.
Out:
4 h 36 min
